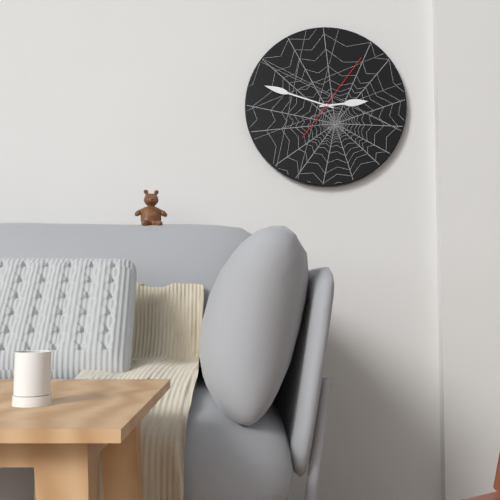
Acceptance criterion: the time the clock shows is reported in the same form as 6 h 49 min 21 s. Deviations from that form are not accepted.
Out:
2 h 48 min 06 s
